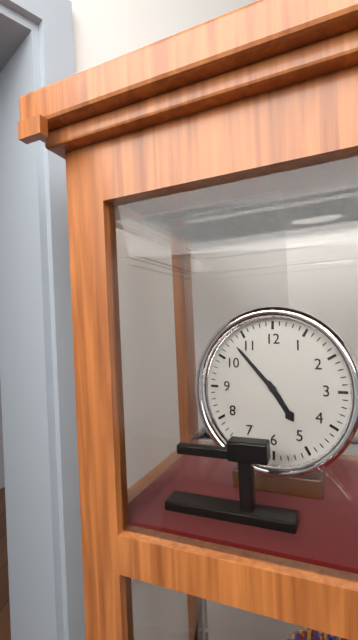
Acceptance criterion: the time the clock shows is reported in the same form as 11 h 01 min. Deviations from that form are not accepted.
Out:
4 h 53 min
